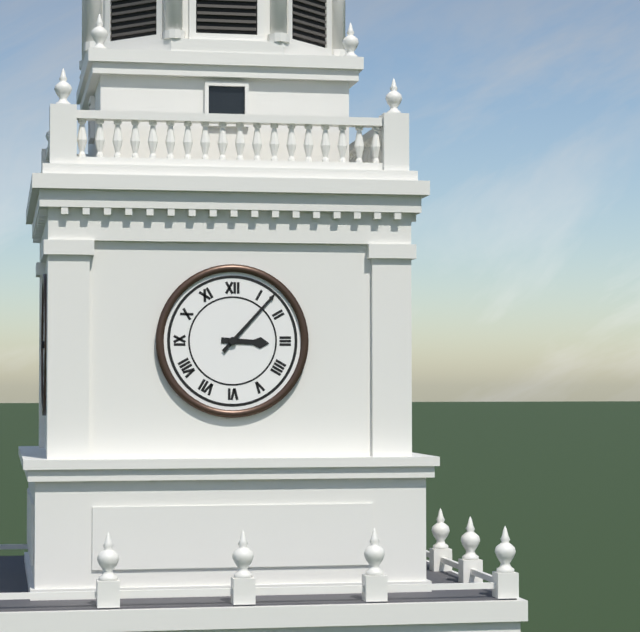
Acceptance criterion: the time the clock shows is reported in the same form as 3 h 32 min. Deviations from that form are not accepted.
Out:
3 h 07 min
